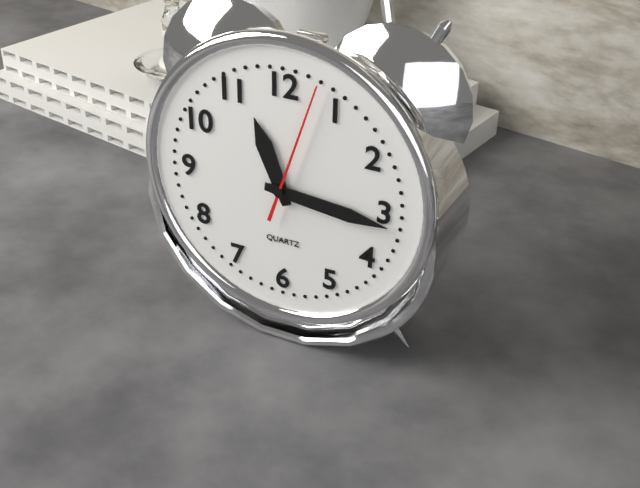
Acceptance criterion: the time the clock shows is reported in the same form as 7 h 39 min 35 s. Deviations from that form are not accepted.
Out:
11 h 16 min 03 s
